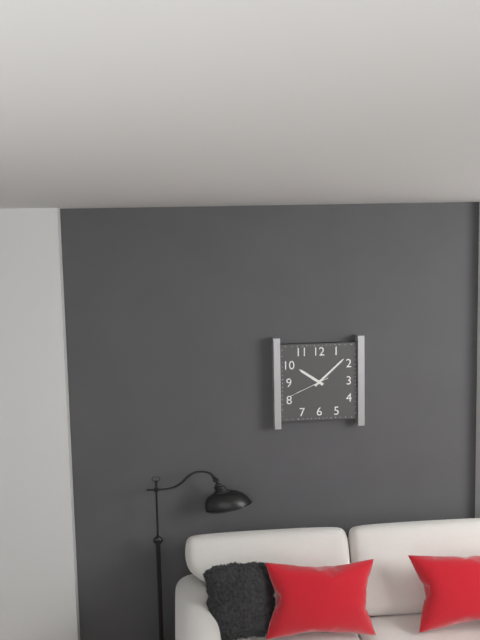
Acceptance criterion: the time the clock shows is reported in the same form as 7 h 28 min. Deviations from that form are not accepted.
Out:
10 h 08 min
